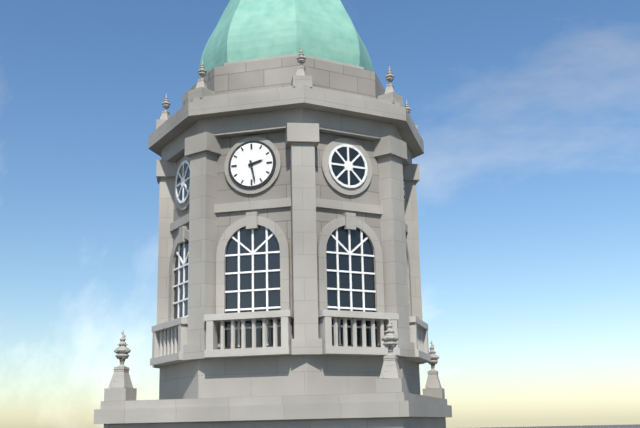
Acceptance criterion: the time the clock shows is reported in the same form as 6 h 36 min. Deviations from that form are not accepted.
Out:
2 h 28 min
